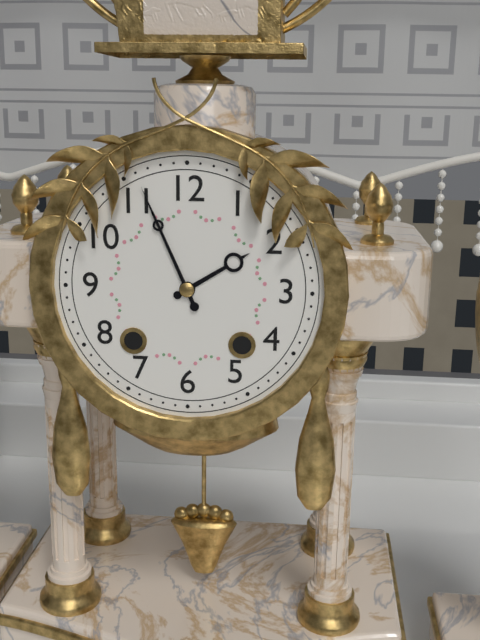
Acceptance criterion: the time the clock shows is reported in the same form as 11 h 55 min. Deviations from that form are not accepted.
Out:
1 h 56 min
